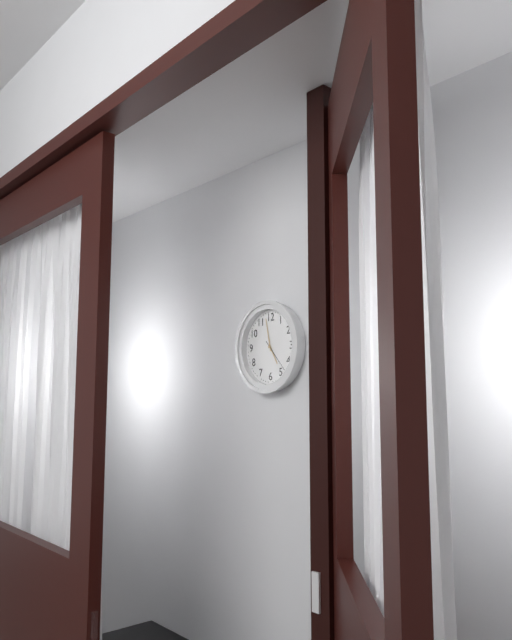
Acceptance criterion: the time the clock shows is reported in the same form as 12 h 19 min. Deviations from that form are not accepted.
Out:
4 h 58 min
